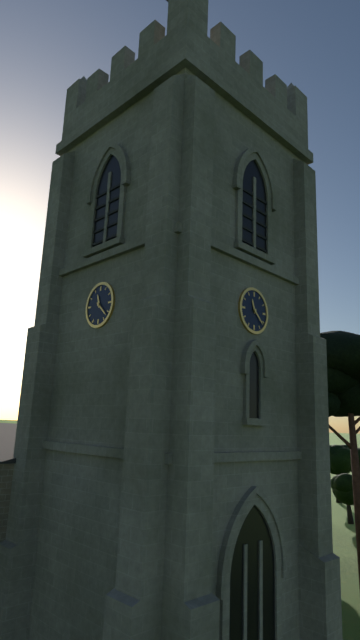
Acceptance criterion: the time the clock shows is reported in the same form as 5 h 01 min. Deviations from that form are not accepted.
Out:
11 h 22 min
